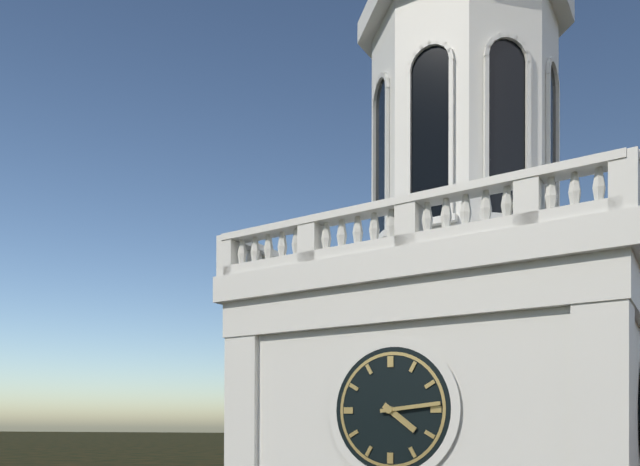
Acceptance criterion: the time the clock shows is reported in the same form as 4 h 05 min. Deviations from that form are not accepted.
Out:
4 h 14 min
